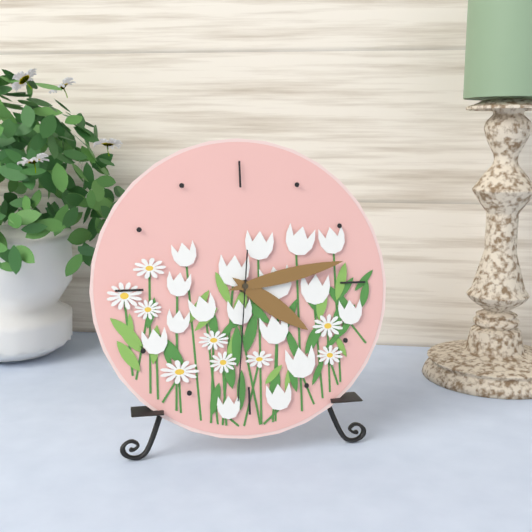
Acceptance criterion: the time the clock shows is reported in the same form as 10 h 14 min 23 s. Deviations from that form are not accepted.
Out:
4 h 13 min 31 s
